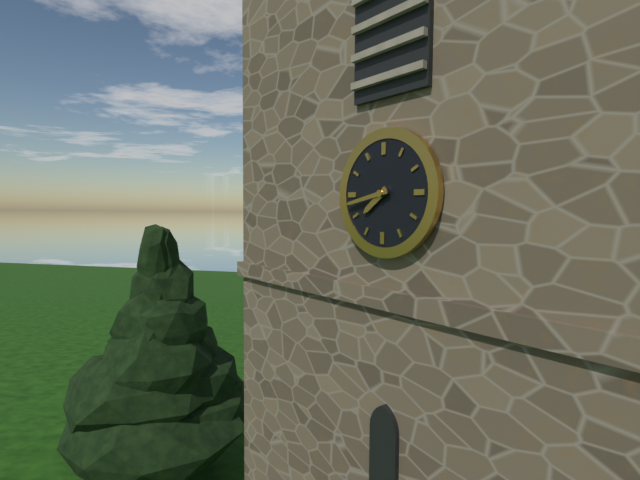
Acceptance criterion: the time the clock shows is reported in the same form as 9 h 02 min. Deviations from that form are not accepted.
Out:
7 h 43 min
